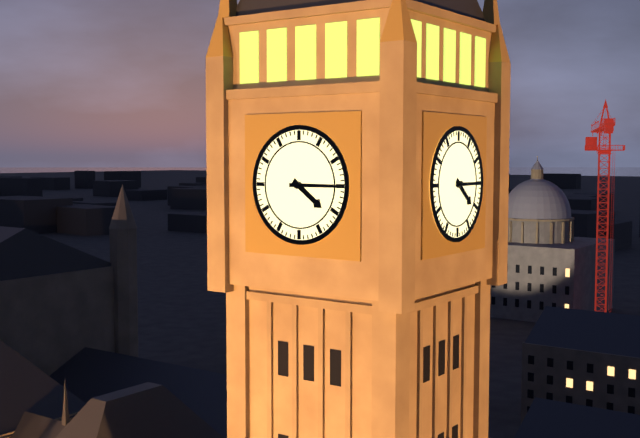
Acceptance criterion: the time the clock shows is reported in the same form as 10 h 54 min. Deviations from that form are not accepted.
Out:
4 h 15 min
